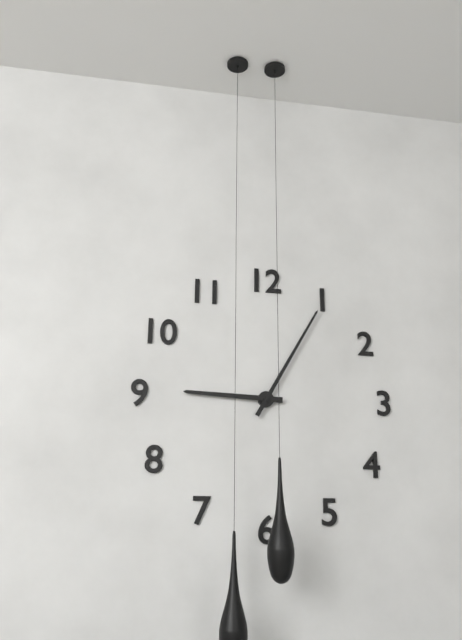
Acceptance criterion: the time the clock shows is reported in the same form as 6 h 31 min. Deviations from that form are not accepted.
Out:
9 h 05 min
